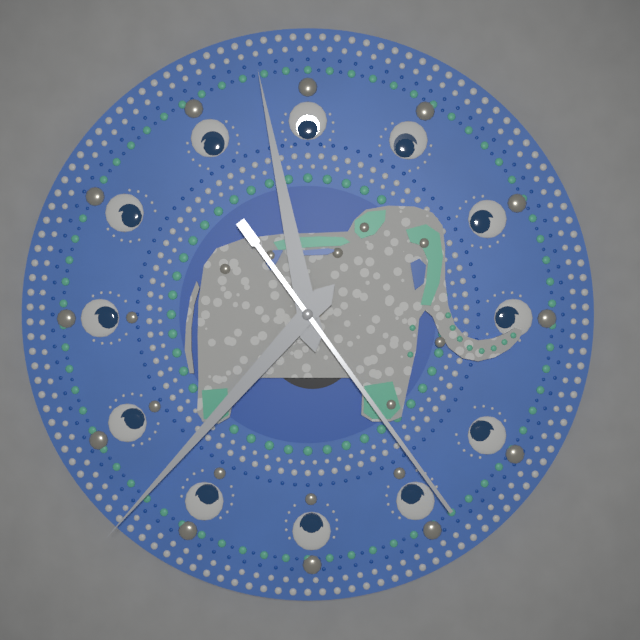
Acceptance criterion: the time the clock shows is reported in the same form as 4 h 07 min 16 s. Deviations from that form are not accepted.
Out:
11 h 37 min 24 s
